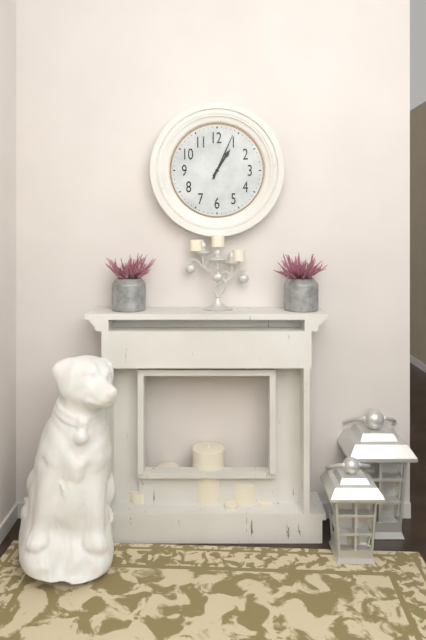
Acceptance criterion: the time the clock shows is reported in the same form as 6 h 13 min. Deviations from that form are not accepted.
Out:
1 h 04 min
